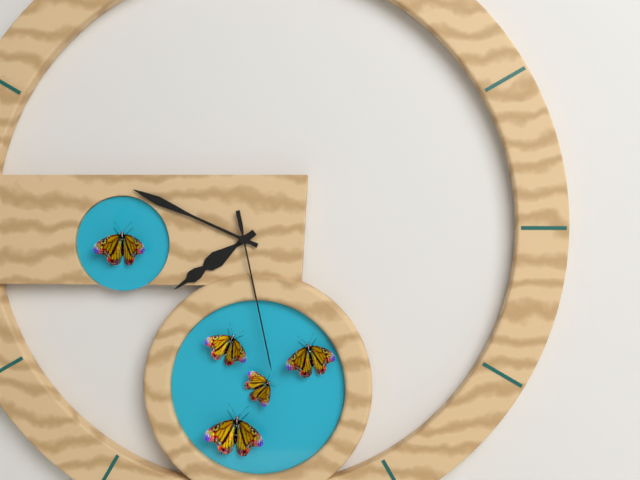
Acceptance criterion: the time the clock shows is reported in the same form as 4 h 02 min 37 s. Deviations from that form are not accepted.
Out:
7 h 49 min 28 s
